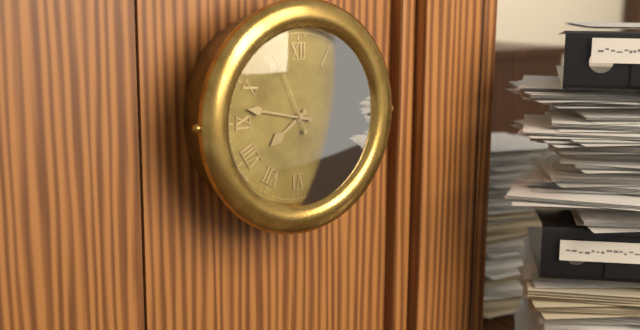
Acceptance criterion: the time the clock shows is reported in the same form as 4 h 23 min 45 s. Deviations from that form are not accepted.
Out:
7 h 47 min 56 s
